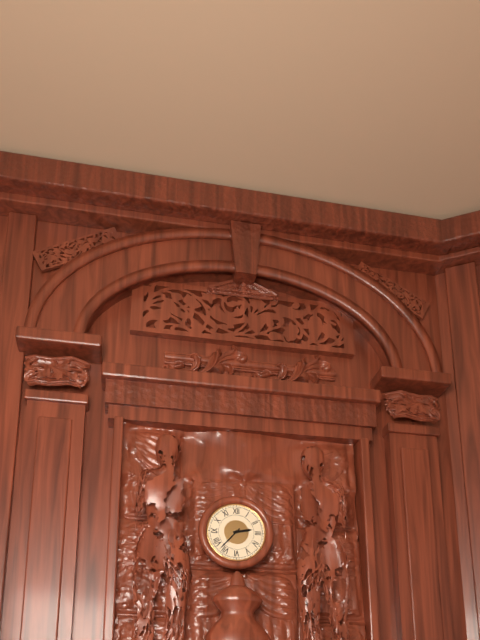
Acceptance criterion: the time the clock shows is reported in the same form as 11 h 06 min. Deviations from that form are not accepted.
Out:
2 h 37 min
